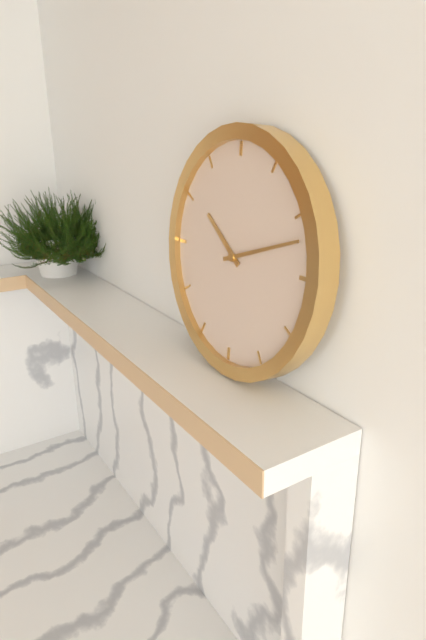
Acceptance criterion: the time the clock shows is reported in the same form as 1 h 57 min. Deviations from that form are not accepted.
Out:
10 h 12 min
